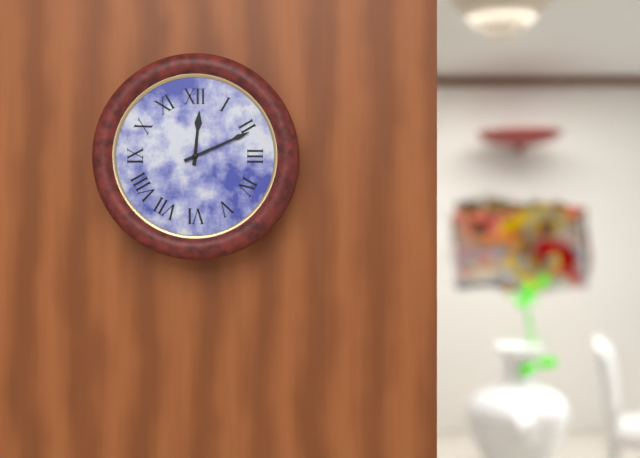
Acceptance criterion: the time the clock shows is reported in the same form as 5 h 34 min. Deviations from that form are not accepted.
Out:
12 h 11 min
